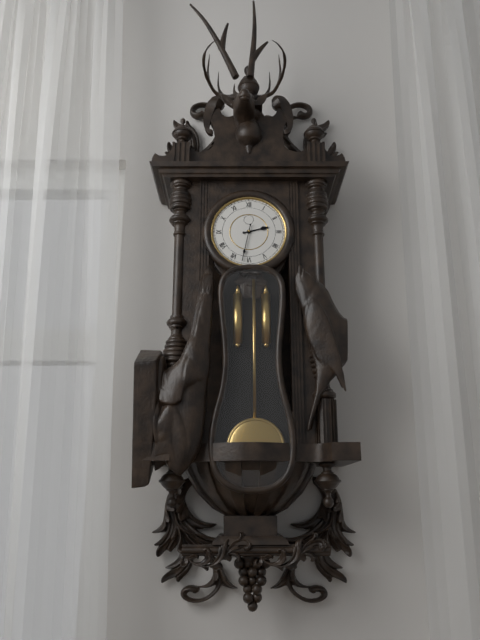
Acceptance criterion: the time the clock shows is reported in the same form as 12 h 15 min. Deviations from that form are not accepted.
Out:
2 h 32 min
